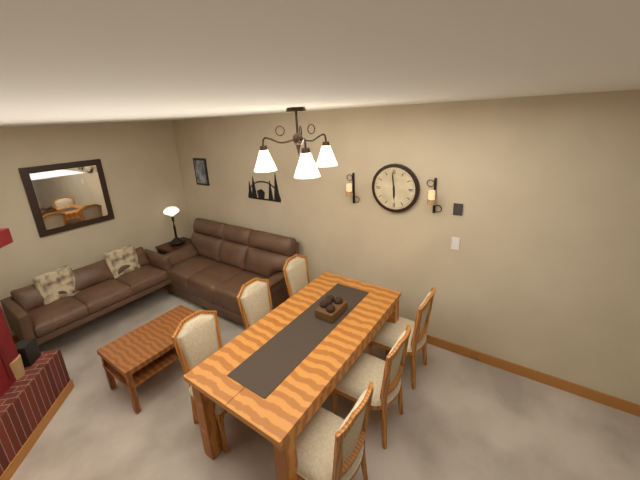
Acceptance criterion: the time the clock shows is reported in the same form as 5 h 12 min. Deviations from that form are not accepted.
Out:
5 h 59 min
